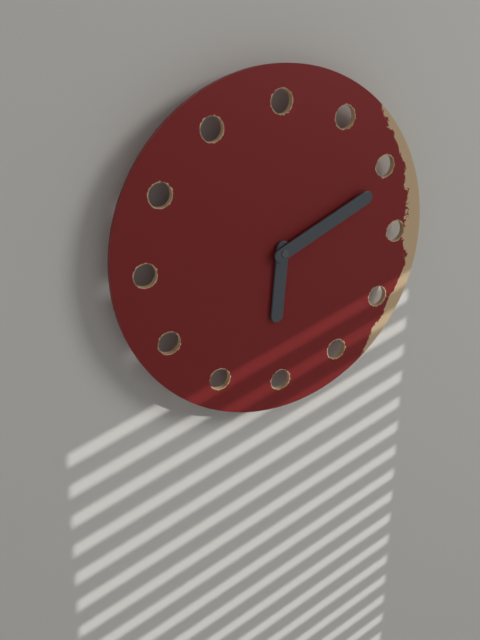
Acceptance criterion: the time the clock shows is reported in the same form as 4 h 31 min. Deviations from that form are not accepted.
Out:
6 h 11 min
